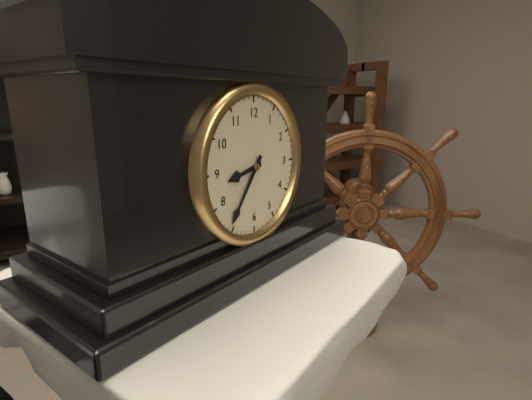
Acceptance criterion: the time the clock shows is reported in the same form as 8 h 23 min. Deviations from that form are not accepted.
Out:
8 h 36 min
